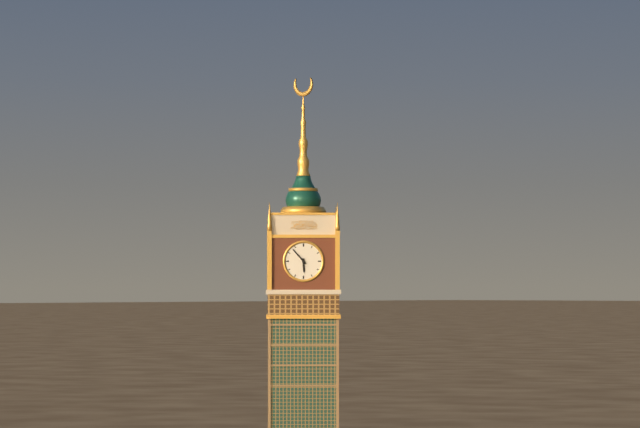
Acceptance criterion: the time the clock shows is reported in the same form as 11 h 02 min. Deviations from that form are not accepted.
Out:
5 h 53 min
